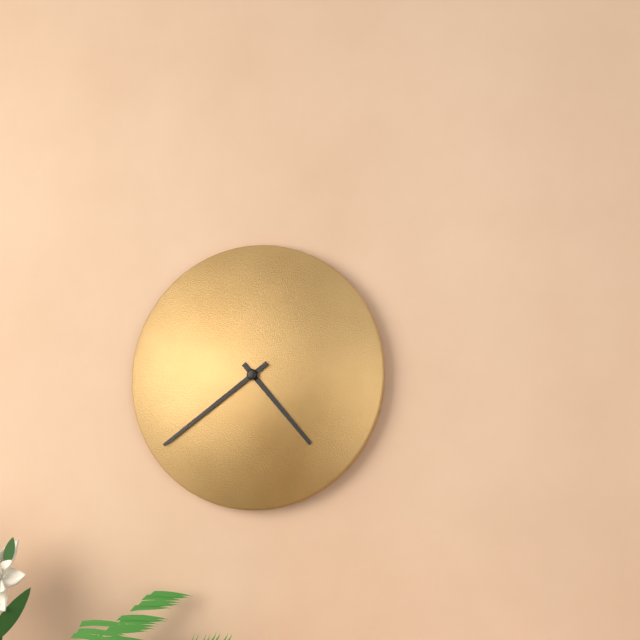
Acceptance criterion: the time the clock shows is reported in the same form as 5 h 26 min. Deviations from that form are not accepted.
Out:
4 h 39 min
